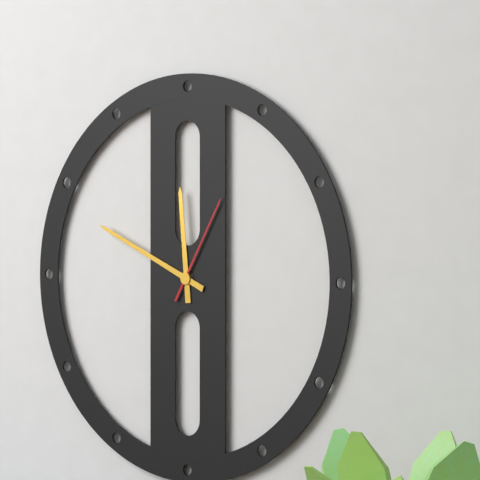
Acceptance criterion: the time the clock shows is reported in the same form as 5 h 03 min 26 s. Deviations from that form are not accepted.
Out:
11 h 49 min 05 s
